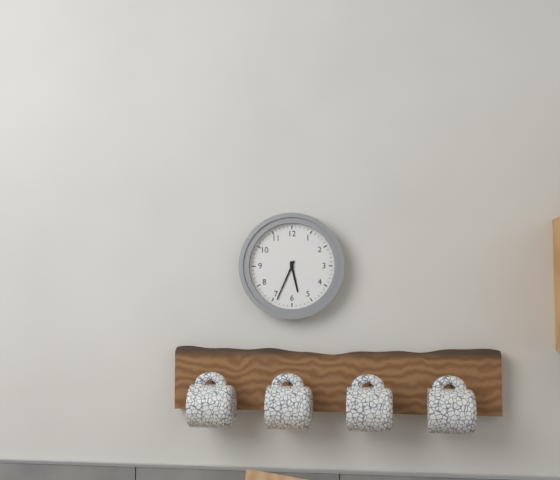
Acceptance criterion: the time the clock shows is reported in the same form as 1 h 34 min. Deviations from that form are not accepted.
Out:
5 h 34 min
